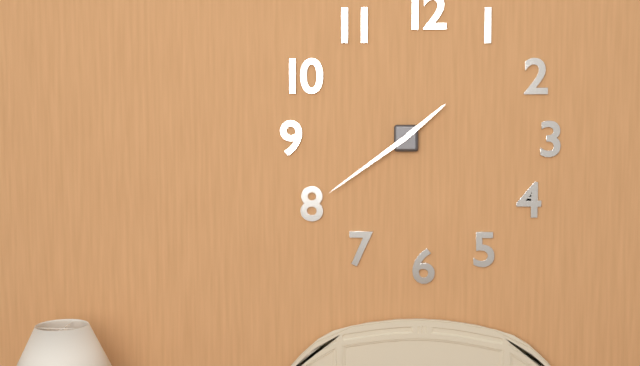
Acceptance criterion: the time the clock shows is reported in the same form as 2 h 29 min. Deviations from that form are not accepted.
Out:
1 h 39 min
